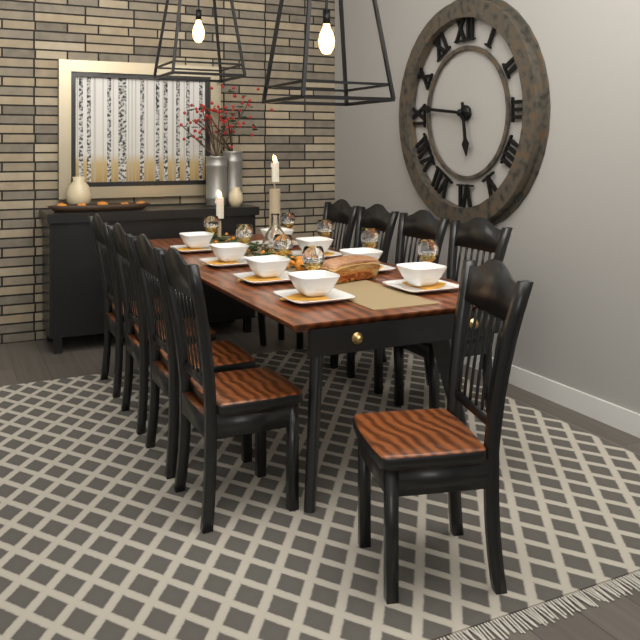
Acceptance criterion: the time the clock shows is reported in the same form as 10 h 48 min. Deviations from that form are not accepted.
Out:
5 h 46 min
